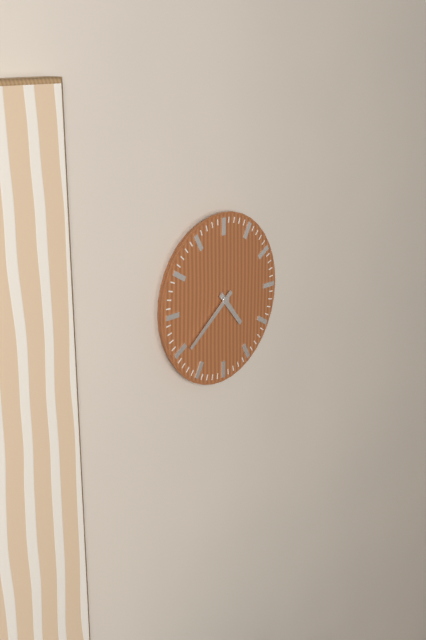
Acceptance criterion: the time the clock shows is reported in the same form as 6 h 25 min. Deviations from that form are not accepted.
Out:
4 h 39 min
